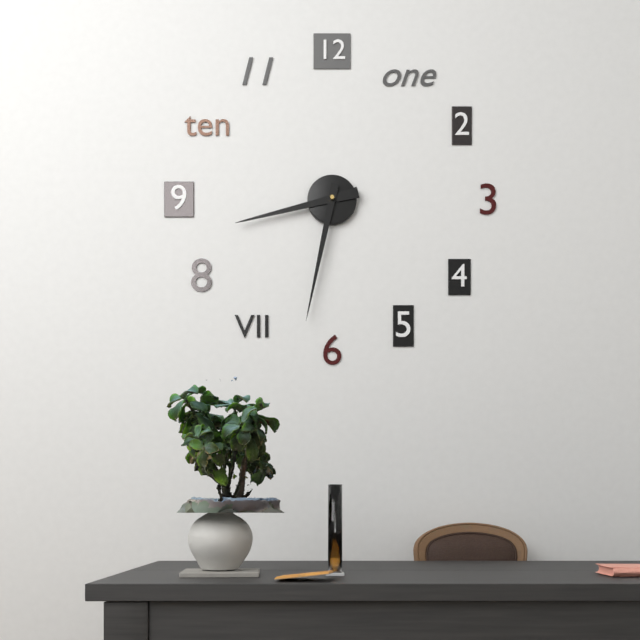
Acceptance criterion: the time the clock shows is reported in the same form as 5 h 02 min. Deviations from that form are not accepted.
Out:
8 h 32 min
